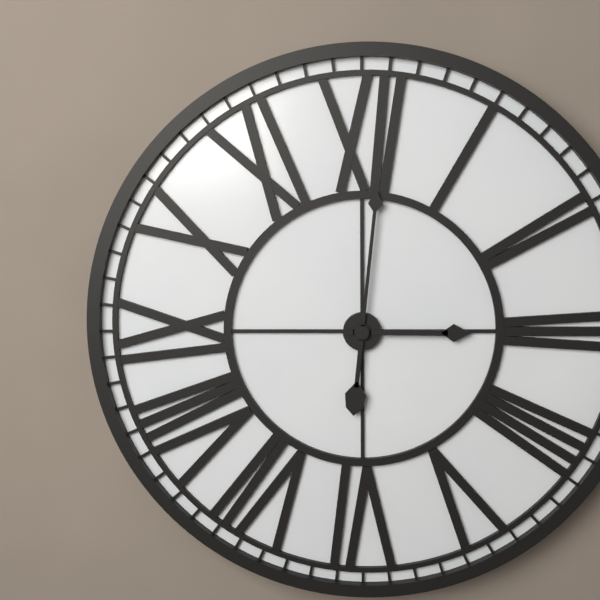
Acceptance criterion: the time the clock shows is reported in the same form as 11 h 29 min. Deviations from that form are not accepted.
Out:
3 h 01 min
